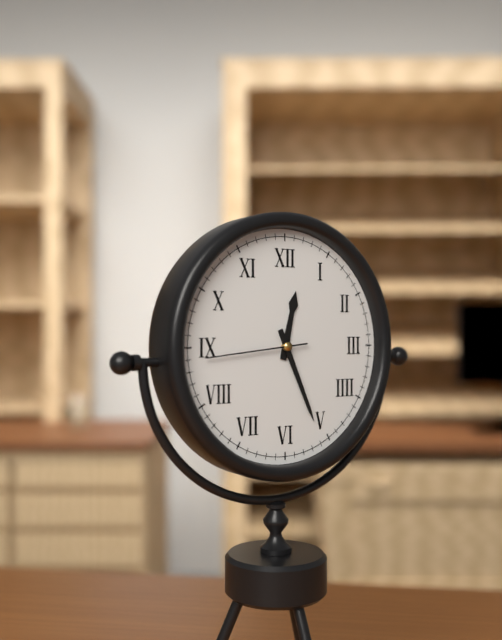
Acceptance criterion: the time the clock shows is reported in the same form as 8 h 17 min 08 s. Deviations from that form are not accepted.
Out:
12 h 26 min 44 s
